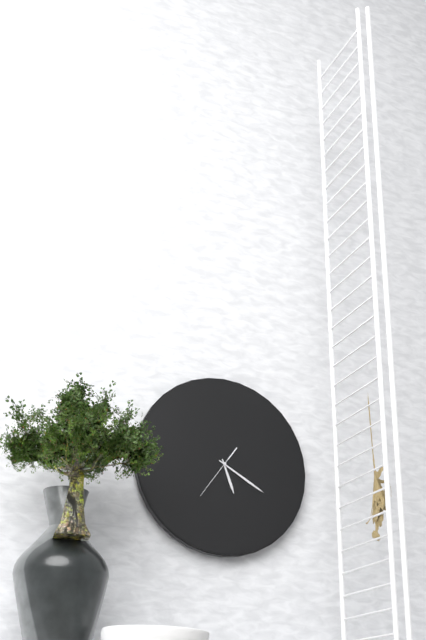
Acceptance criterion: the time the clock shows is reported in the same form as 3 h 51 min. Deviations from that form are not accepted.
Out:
5 h 20 min
